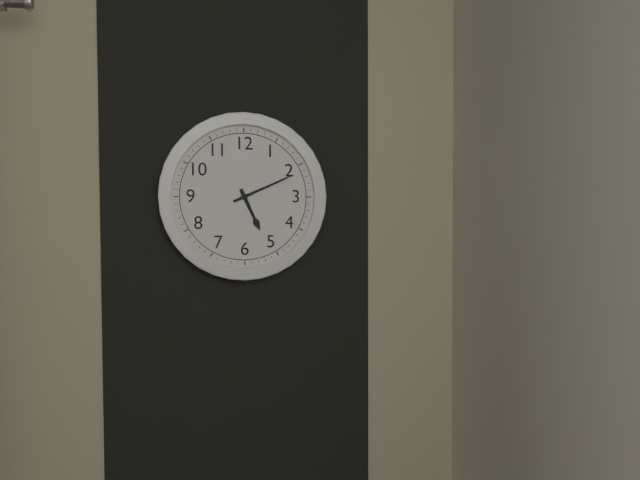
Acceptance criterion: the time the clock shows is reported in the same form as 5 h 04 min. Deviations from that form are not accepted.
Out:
5 h 11 min
